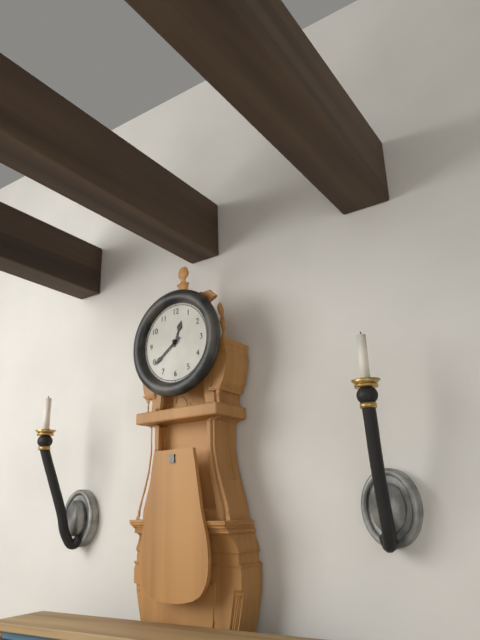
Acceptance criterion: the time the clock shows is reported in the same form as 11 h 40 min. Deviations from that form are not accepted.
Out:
12 h 39 min
